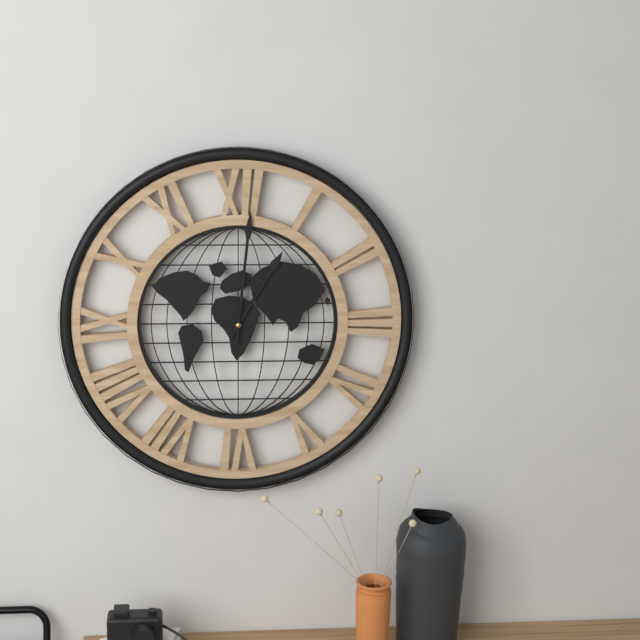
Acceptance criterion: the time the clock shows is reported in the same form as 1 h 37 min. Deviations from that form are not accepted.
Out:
1 h 01 min
